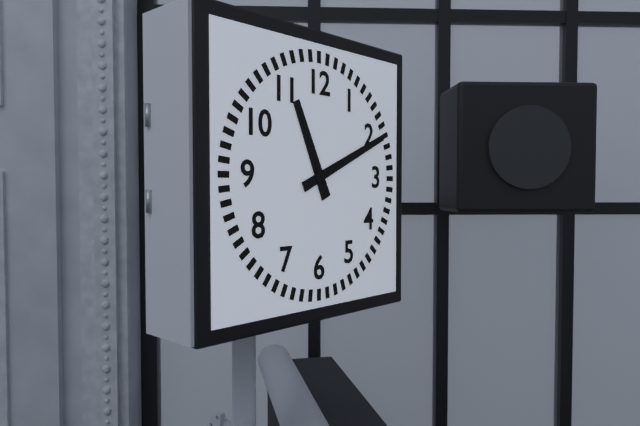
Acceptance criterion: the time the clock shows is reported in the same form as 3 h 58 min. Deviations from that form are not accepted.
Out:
11 h 11 min
